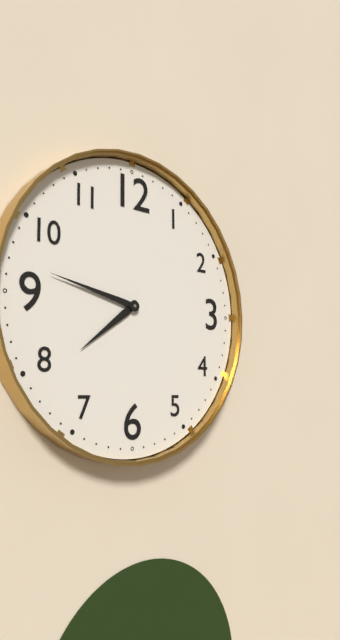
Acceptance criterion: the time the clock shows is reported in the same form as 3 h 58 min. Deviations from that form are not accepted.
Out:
7 h 47 min
